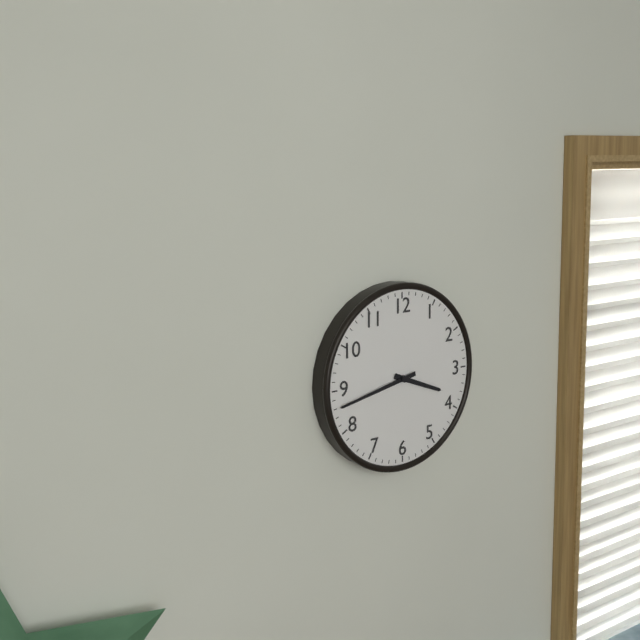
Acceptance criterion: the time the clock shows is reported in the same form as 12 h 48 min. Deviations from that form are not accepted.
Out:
3 h 43 min
